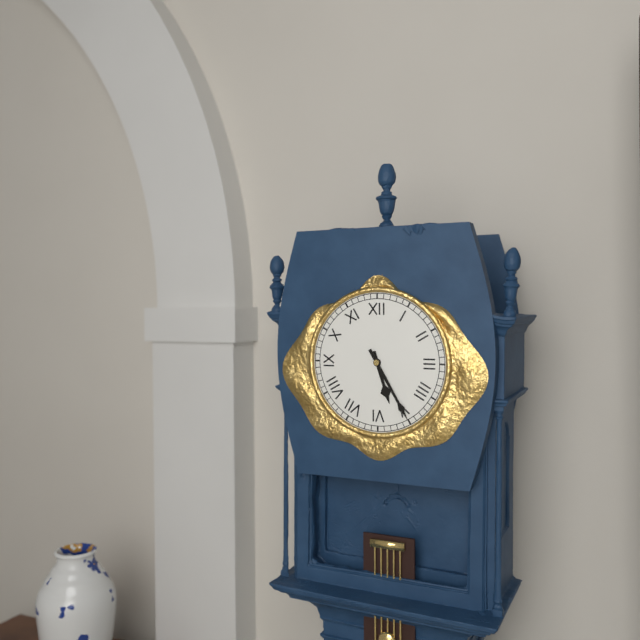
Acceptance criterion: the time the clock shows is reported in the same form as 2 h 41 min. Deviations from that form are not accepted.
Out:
5 h 25 min
